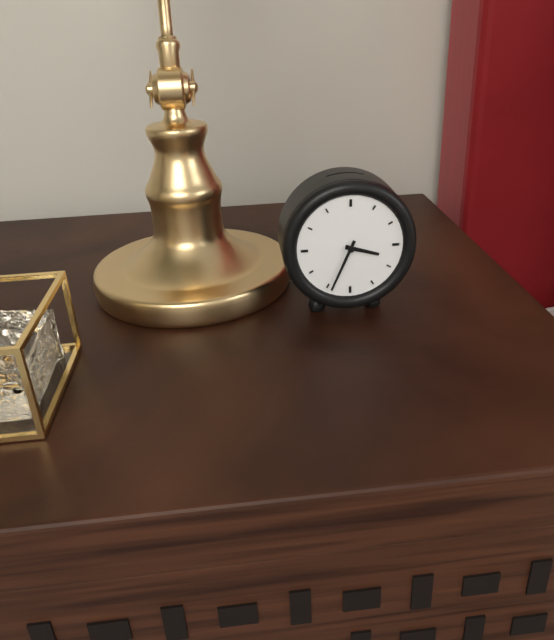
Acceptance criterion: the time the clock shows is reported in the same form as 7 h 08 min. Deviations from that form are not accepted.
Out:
3 h 34 min
